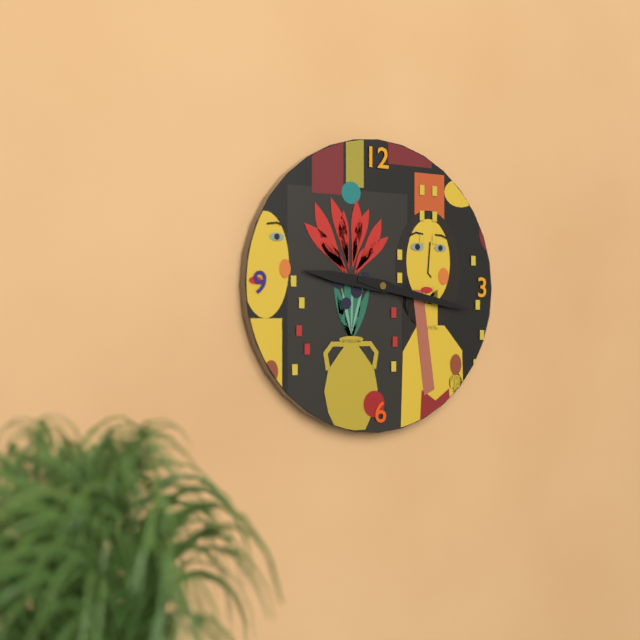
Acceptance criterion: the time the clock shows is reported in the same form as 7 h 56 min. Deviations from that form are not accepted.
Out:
9 h 17 min
